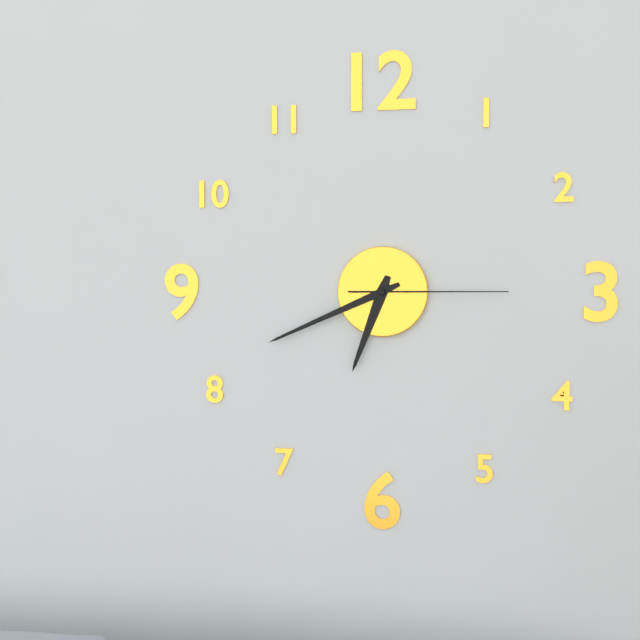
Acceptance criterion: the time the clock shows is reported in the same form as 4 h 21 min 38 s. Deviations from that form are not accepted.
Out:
6 h 41 min 15 s
